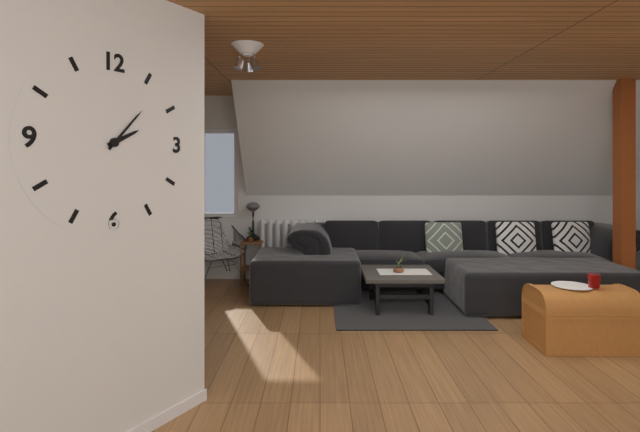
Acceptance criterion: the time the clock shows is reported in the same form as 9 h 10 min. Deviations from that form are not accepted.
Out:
2 h 07 min
